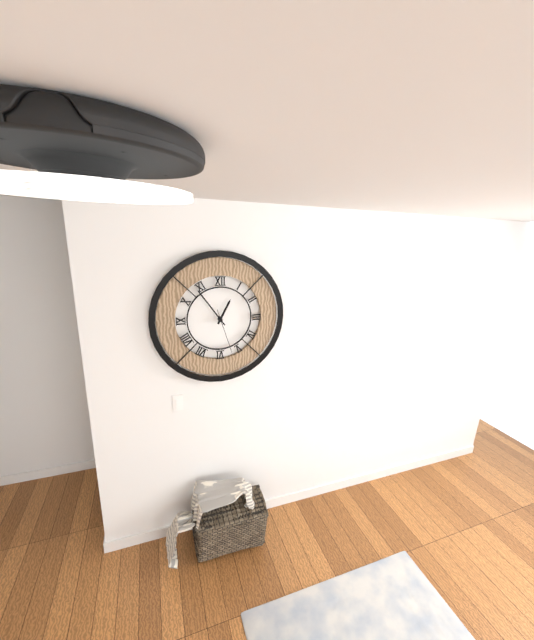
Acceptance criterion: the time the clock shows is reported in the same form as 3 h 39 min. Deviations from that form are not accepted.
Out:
12 h 54 min
